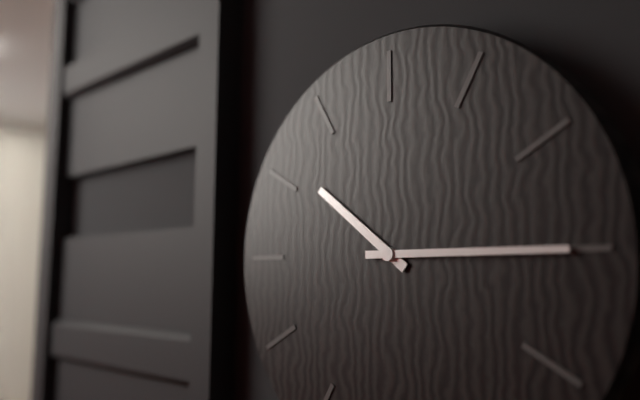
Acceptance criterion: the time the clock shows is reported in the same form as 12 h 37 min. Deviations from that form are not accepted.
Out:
10 h 15 min
